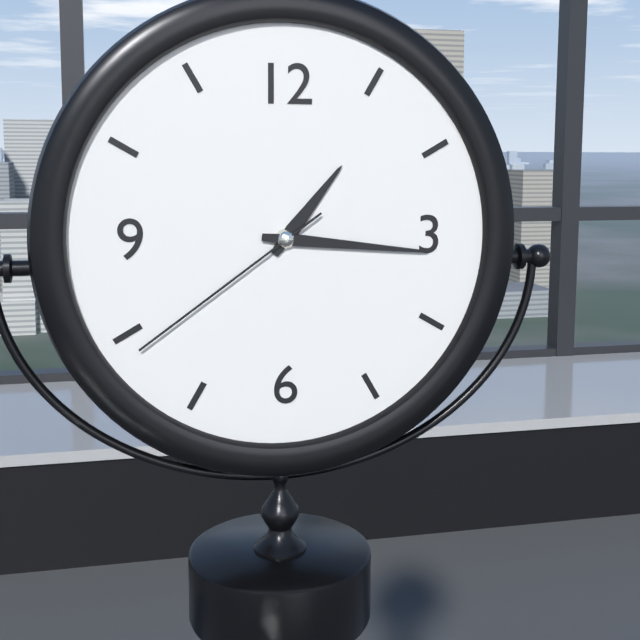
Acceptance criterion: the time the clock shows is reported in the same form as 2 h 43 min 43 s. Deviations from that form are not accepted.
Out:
1 h 16 min 39 s
